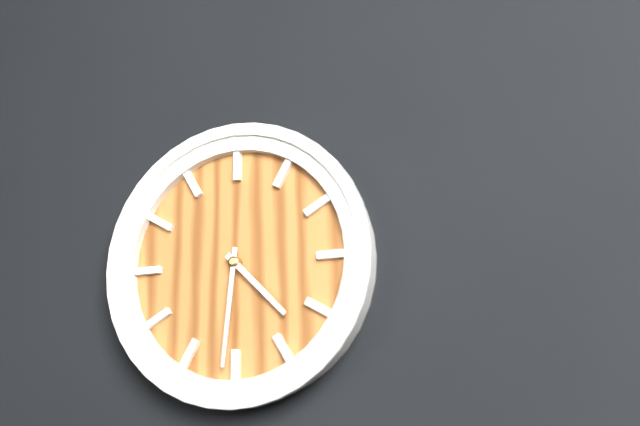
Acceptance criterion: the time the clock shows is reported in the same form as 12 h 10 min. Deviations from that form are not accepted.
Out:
4 h 31 min
